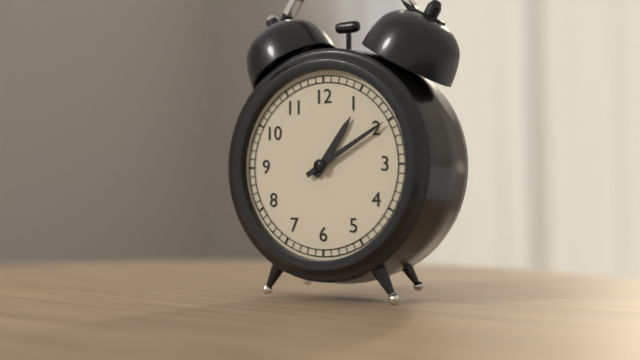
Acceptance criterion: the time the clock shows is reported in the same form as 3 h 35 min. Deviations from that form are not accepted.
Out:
1 h 10 min
